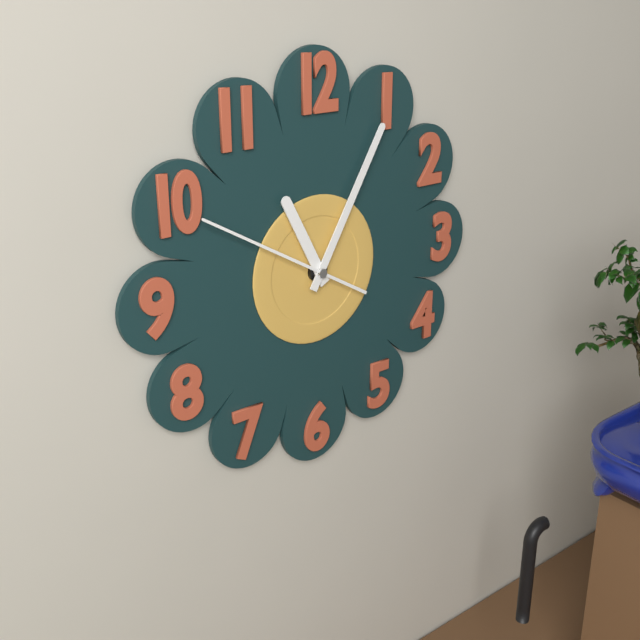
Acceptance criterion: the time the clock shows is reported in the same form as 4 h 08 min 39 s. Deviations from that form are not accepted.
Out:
11 h 05 min 50 s
